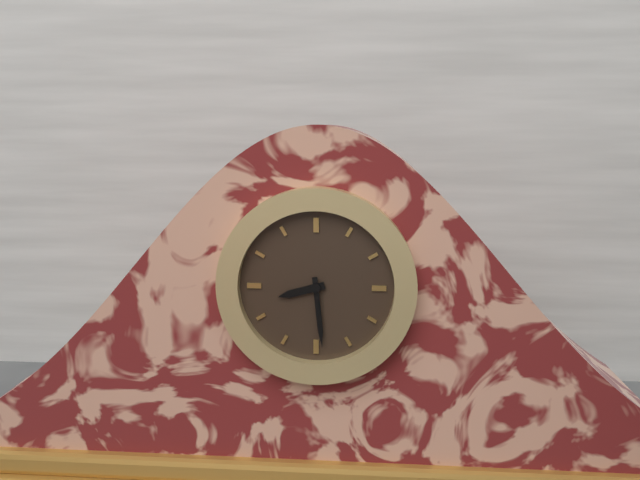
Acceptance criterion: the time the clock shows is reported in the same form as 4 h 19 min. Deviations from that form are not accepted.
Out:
8 h 29 min
